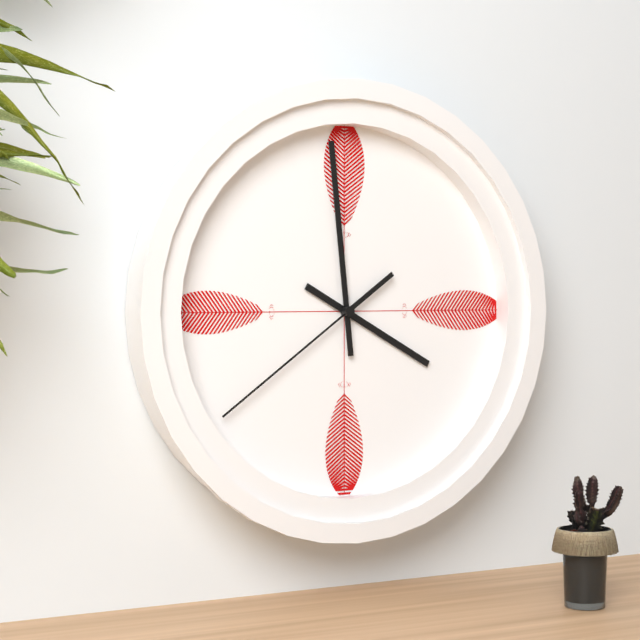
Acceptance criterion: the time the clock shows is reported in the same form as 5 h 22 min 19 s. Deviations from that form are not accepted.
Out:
3 h 59 min 39 s
